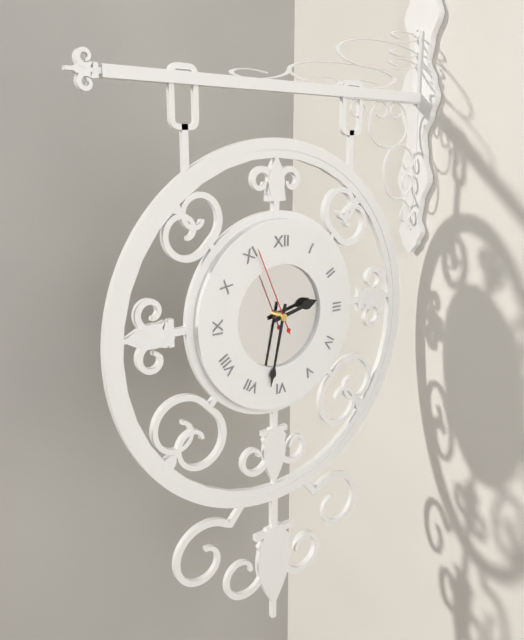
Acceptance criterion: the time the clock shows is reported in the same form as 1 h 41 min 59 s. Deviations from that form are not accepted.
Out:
2 h 32 min 56 s
